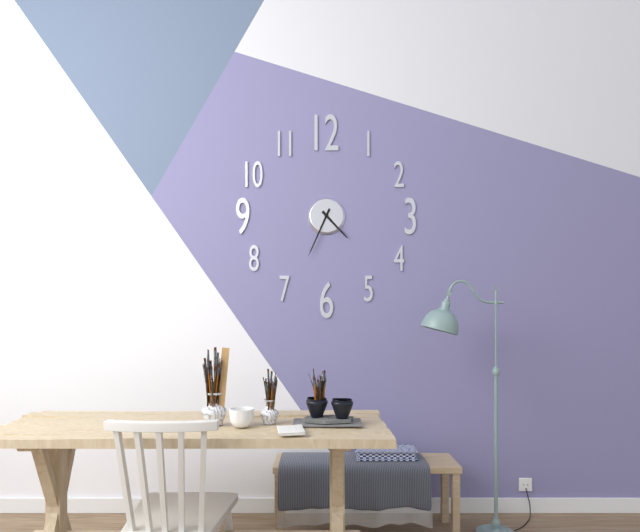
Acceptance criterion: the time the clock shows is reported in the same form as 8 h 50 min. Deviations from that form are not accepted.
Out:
4 h 34 min
